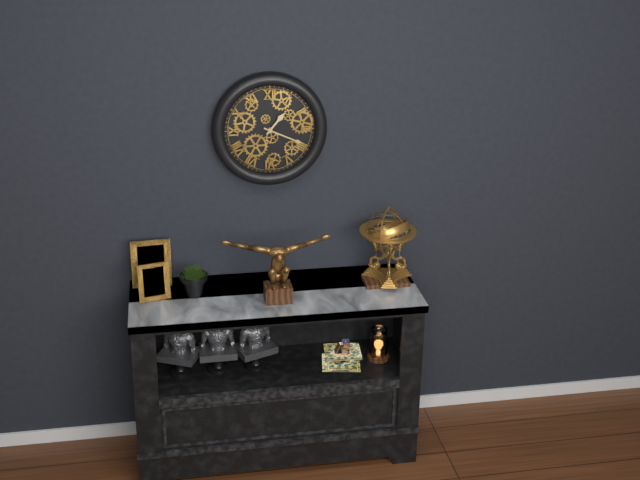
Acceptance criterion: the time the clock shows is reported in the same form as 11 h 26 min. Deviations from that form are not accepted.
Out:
1 h 19 min
